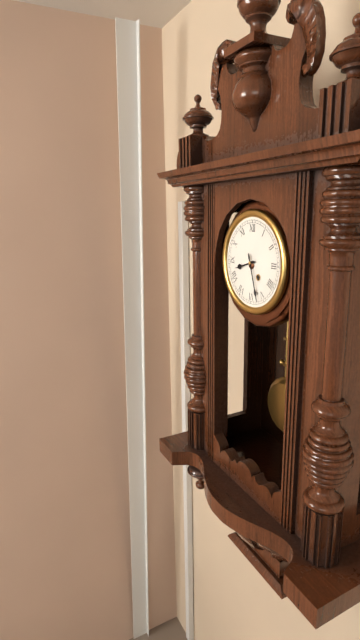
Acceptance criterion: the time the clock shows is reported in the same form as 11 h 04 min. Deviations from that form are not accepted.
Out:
8 h 27 min
